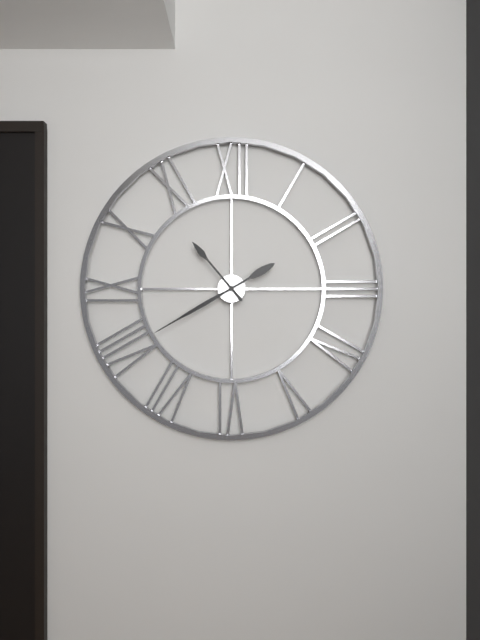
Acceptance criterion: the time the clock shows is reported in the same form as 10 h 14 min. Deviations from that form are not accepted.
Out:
10 h 40 min
